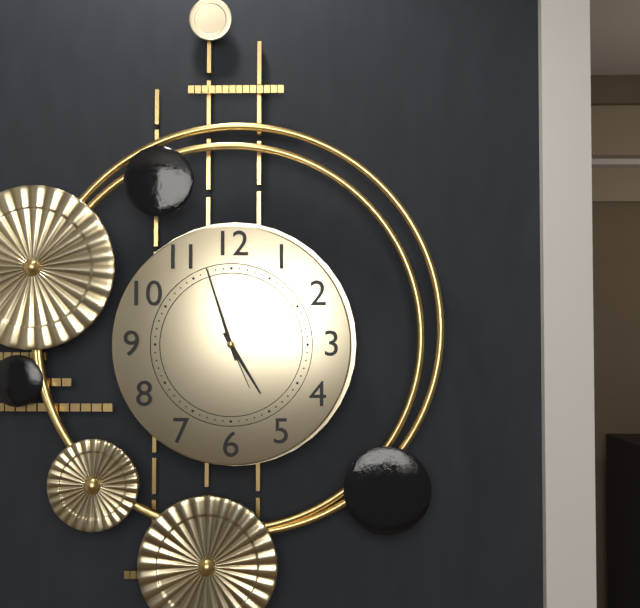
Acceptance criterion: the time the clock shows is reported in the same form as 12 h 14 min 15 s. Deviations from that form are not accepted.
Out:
4 h 57 min 26 s
